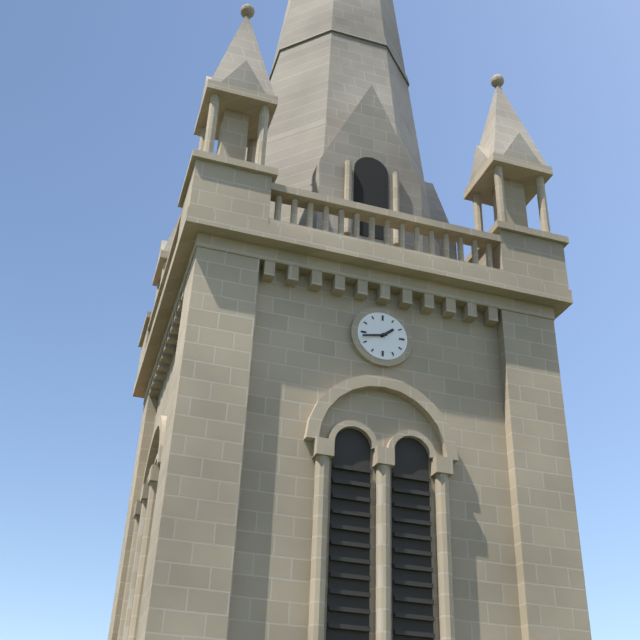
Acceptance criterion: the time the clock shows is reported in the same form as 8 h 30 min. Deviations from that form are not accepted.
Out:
1 h 43 min
